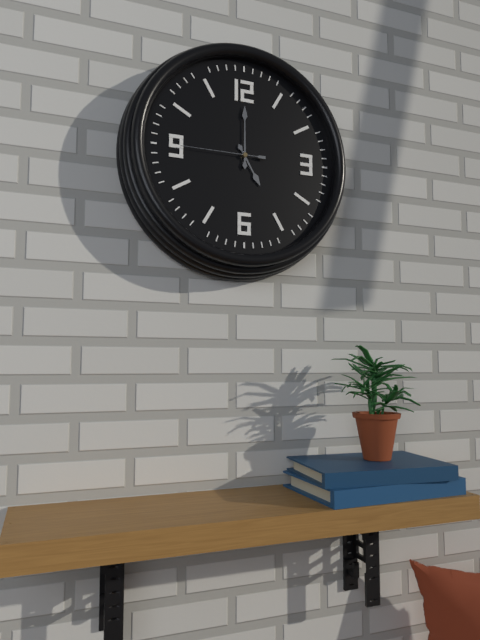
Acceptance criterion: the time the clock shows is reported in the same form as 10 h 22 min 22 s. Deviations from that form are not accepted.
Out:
5 h 00 min 45 s
